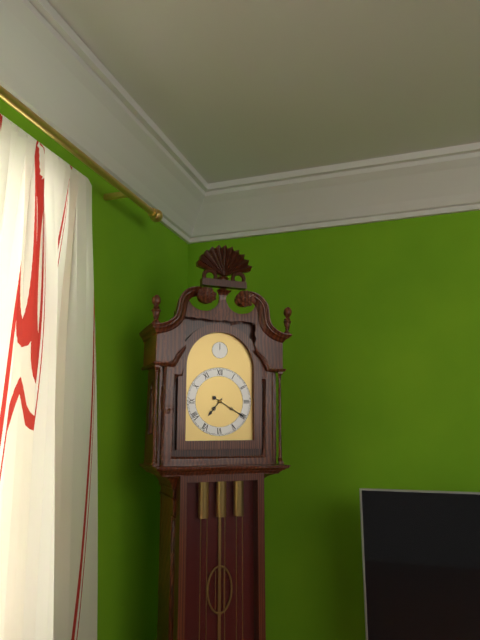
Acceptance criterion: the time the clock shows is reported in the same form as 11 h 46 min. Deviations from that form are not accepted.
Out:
7 h 20 min
